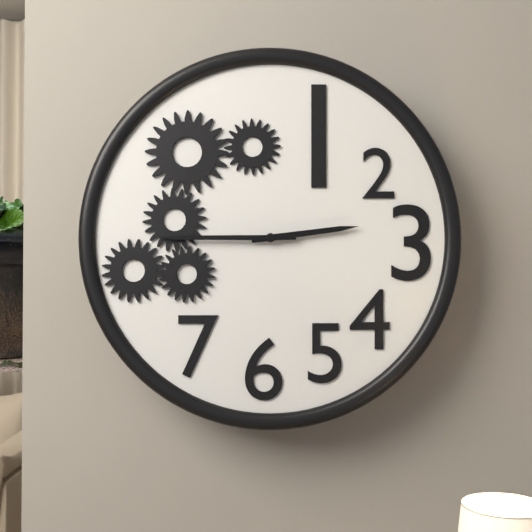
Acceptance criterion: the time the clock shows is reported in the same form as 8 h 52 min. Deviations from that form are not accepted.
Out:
2 h 45 min
